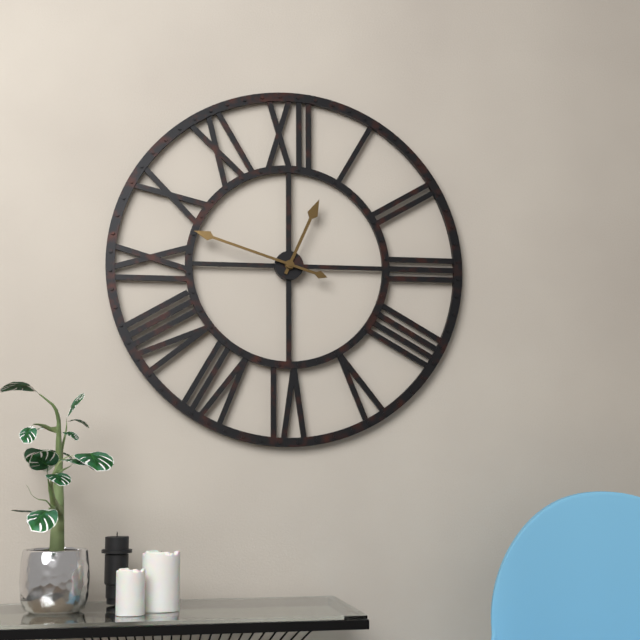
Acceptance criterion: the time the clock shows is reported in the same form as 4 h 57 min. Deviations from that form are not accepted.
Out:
12 h 48 min
